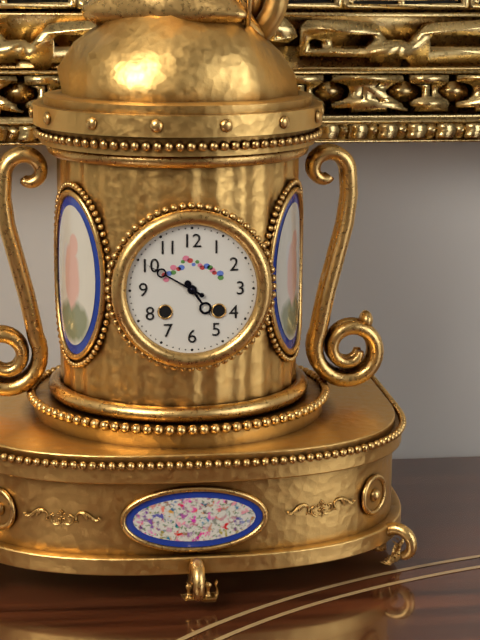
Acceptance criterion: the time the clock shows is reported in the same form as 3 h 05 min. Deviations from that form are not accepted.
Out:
4 h 50 min
